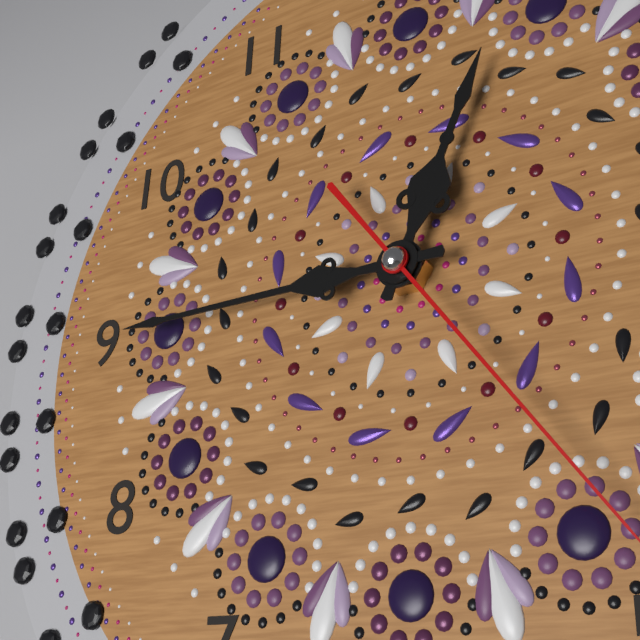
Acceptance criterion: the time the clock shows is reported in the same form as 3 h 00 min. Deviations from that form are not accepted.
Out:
12 h 45 min
